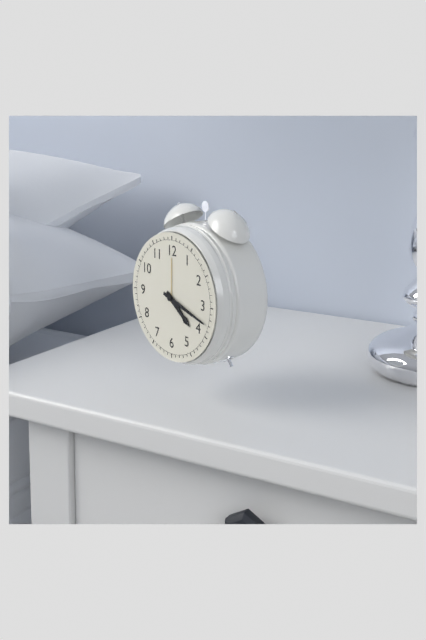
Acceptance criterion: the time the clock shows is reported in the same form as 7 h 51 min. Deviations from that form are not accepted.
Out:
4 h 18 min
